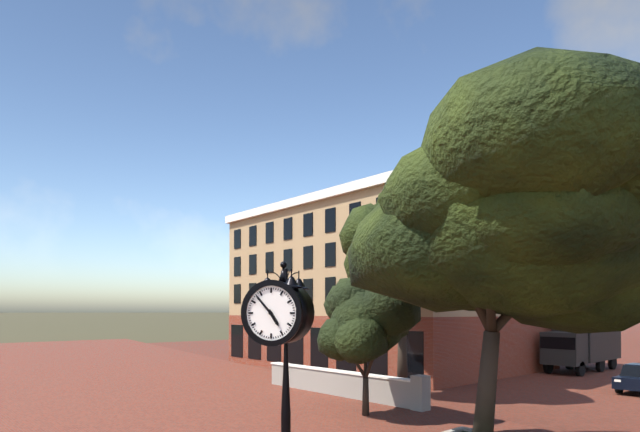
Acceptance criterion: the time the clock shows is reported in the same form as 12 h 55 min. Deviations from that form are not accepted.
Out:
4 h 53 min
